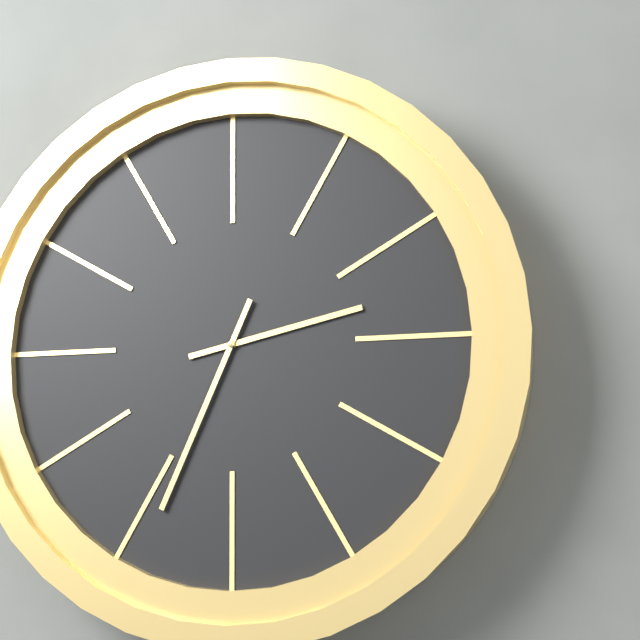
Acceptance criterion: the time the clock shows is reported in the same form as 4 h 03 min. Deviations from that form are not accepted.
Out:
2 h 34 min
